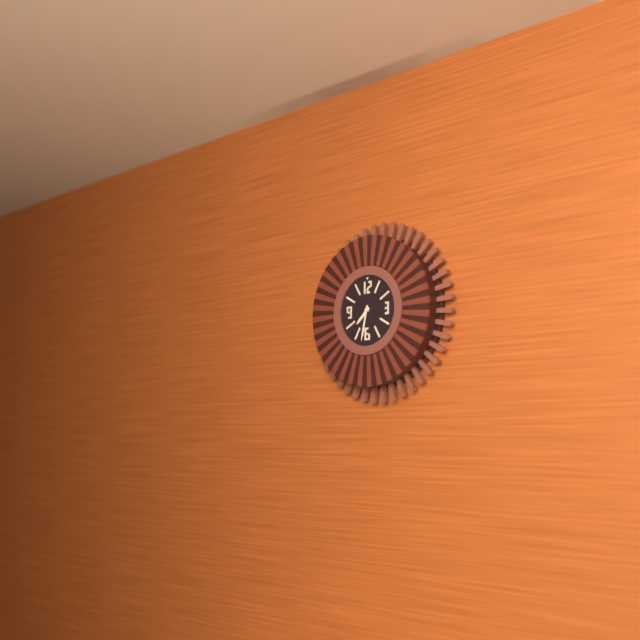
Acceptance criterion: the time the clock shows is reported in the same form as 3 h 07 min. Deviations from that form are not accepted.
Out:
7 h 32 min
